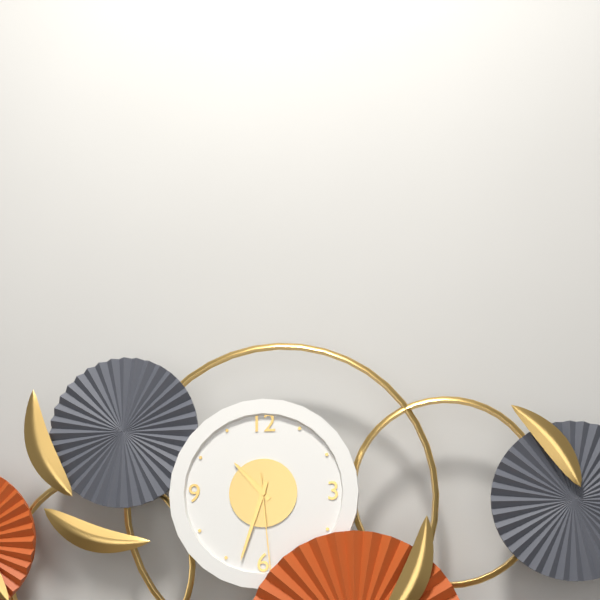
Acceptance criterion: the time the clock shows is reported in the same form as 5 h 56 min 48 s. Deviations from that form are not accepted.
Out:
10 h 33 min 29 s
